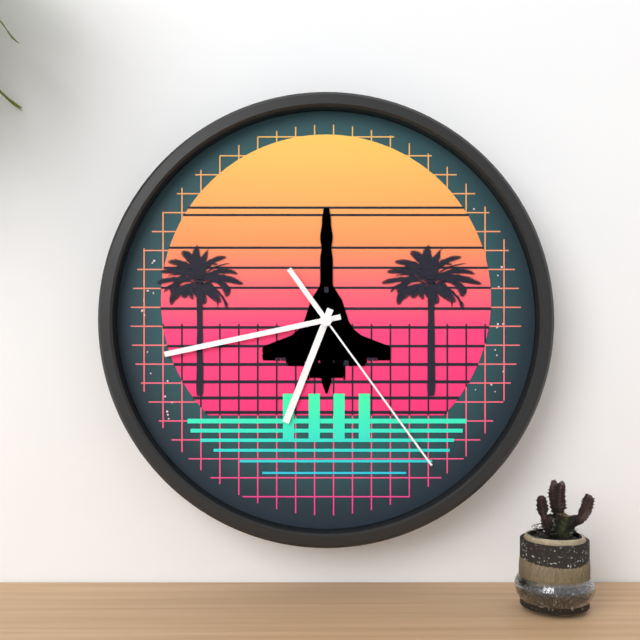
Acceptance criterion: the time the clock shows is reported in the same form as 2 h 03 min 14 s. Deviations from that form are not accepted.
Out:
6 h 43 min 24 s
